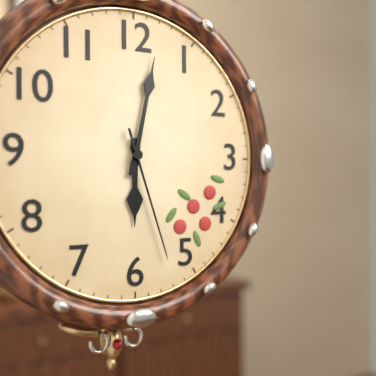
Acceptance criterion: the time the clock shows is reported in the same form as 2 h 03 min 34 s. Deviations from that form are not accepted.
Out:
6 h 02 min 27 s
